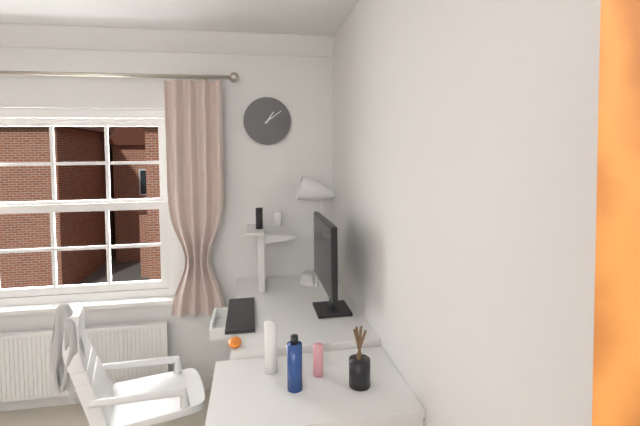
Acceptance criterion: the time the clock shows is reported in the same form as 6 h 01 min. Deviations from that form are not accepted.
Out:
1 h 09 min
